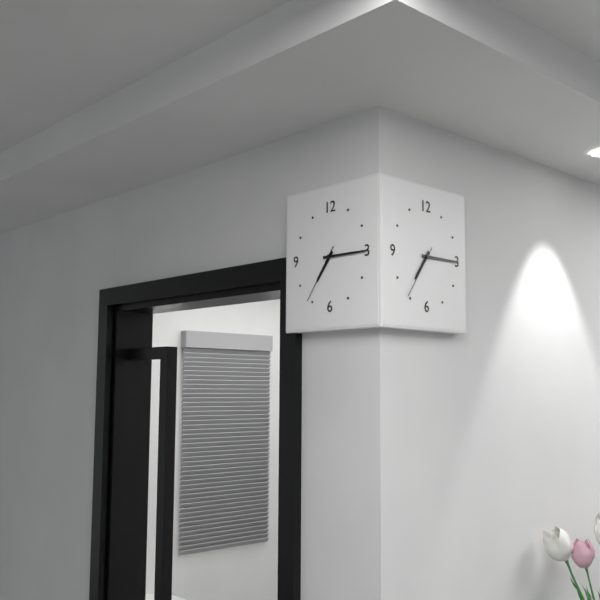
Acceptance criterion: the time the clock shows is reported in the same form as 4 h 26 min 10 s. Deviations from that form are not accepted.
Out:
7 h 15 min 36 s
